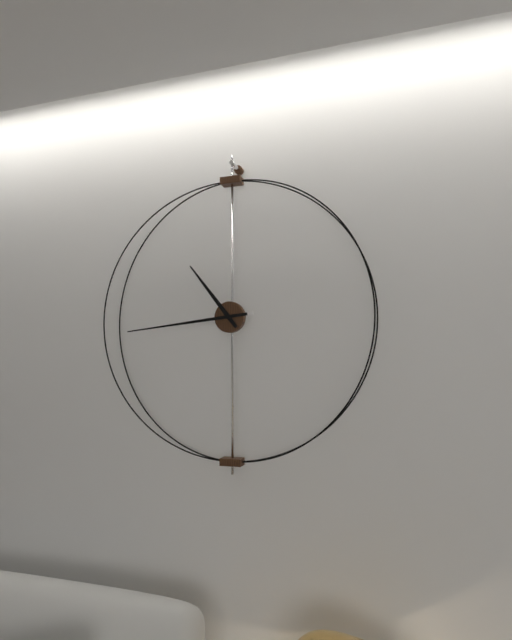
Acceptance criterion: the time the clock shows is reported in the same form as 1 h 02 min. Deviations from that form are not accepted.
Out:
10 h 44 min
